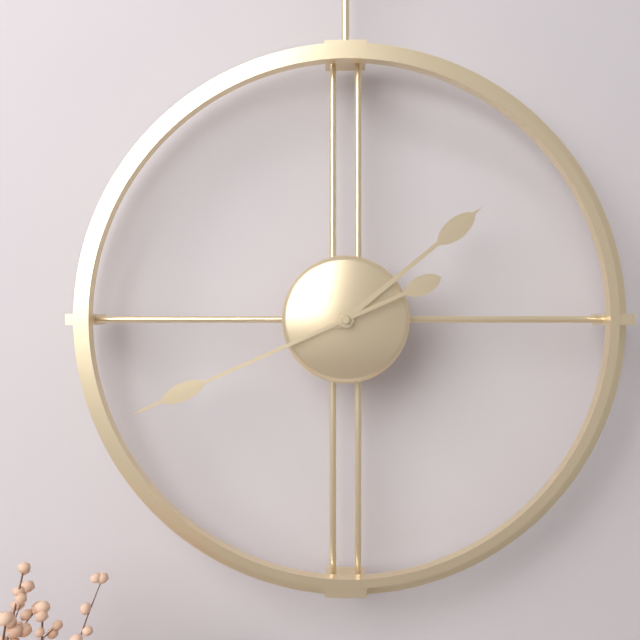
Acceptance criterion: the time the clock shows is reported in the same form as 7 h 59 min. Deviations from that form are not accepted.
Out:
1 h 41 min
